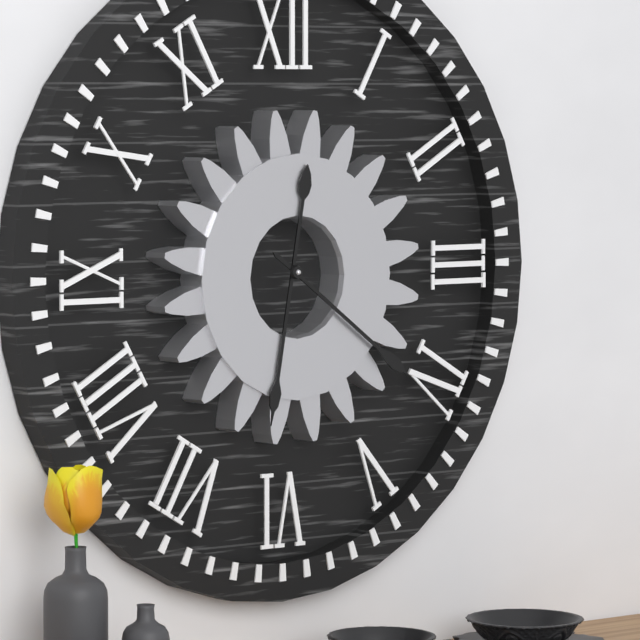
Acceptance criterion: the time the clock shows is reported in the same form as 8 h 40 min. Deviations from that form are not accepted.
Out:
6 h 21 min
